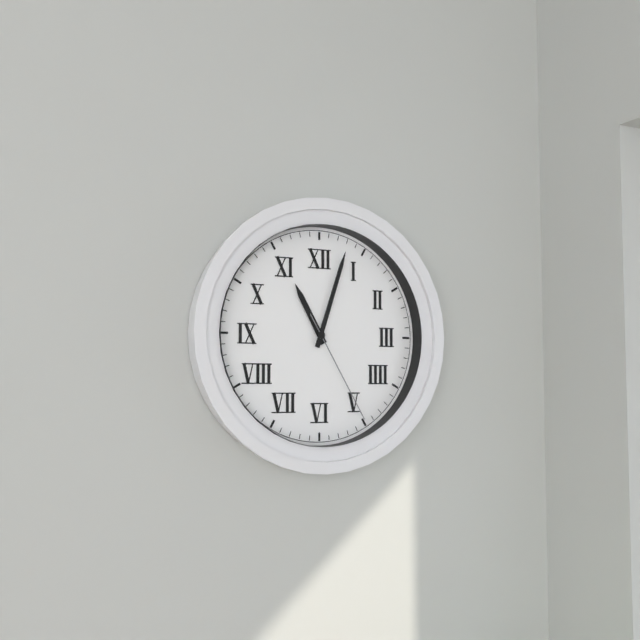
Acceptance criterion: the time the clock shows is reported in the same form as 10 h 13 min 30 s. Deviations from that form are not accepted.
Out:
11 h 03 min 25 s
